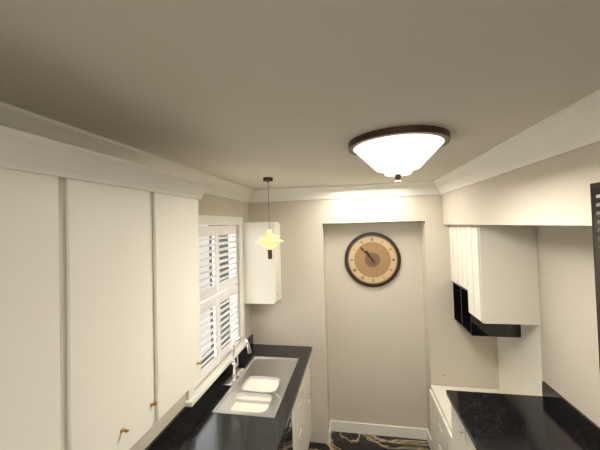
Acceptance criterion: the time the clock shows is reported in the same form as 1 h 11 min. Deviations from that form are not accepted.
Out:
10 h 53 min
